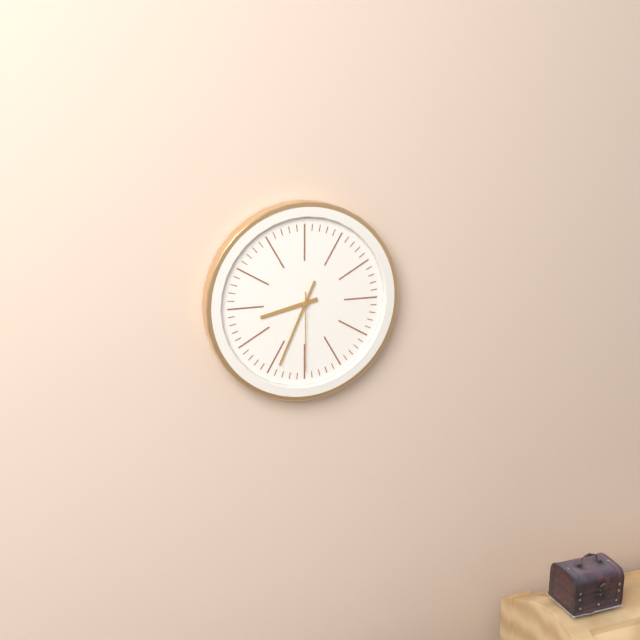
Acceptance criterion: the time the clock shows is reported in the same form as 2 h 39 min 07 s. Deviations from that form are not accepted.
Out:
8 h 34 min 30 s
